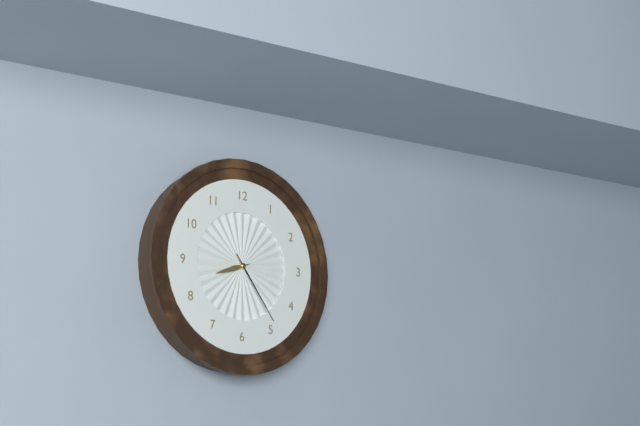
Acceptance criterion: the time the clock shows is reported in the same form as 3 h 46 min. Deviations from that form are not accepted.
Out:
8 h 24 min
